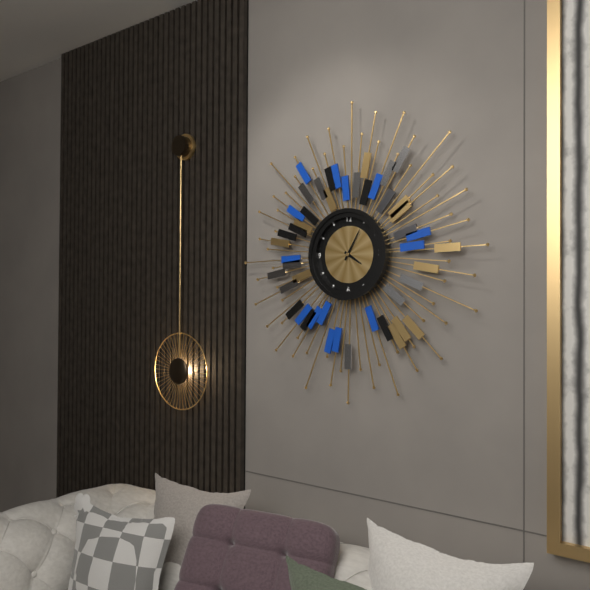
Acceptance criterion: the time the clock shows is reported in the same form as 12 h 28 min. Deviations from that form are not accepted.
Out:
4 h 05 min
